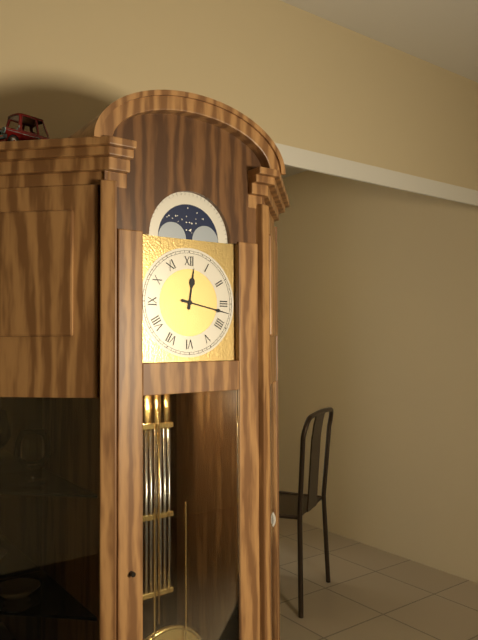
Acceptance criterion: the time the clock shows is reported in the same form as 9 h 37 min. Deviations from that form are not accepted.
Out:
12 h 17 min
